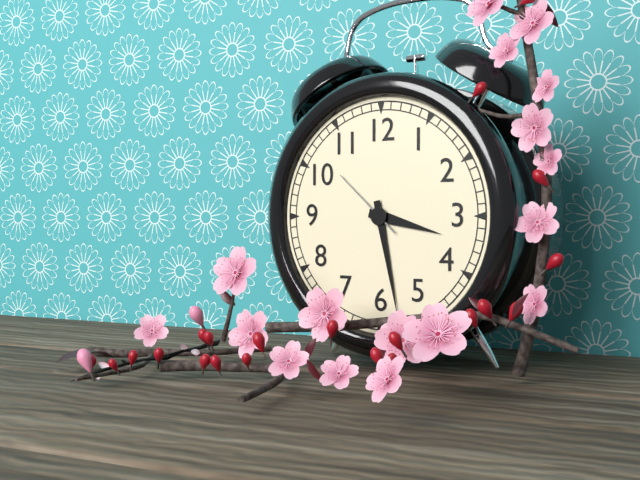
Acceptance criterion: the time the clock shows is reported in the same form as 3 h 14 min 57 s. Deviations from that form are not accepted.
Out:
3 h 28 min 52 s
